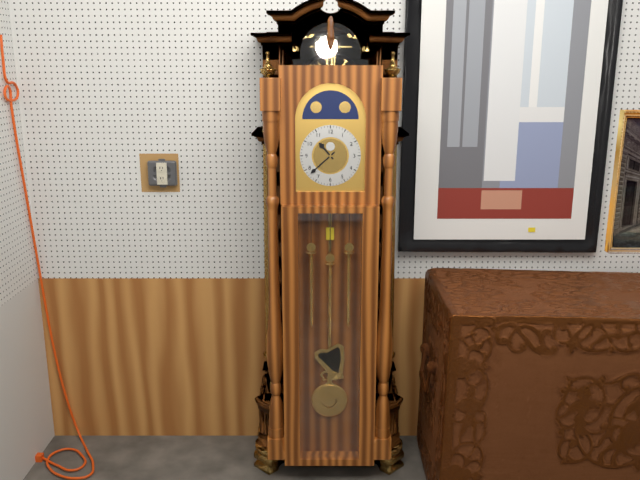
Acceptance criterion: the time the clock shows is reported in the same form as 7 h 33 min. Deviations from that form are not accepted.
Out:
10 h 38 min
